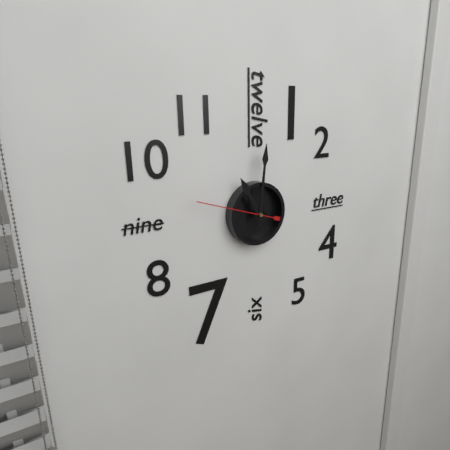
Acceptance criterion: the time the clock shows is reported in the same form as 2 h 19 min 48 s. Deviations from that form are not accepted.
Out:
11 h 01 min 48 s
